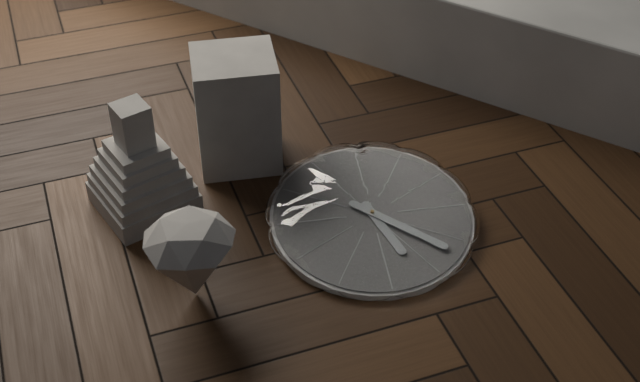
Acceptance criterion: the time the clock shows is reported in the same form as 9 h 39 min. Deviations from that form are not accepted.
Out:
5 h 22 min
